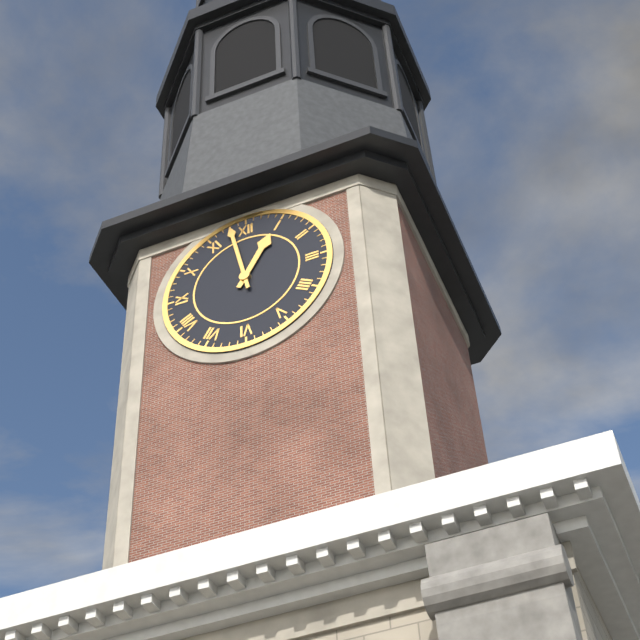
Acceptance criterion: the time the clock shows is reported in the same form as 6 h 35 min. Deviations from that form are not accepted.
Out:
12 h 58 min
